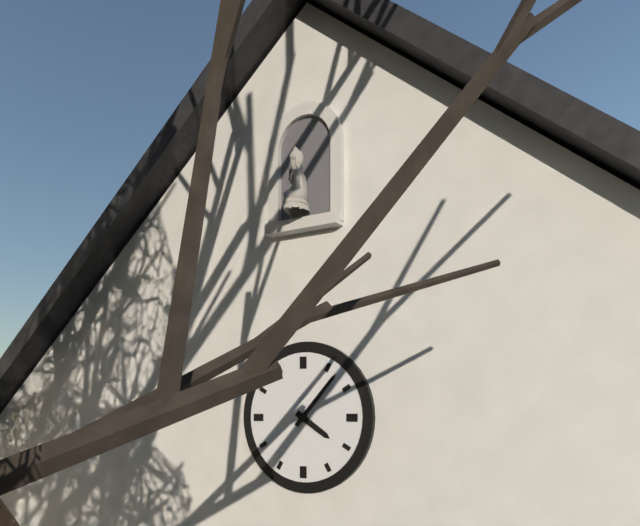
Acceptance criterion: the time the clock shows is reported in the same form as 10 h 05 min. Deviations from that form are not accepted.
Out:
4 h 07 min
